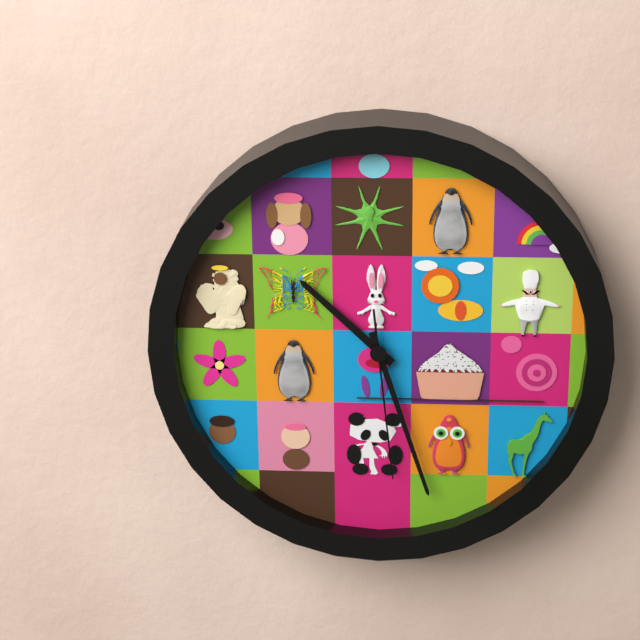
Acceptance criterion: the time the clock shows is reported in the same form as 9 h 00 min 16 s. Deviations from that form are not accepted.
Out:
10 h 27 min 29 s
